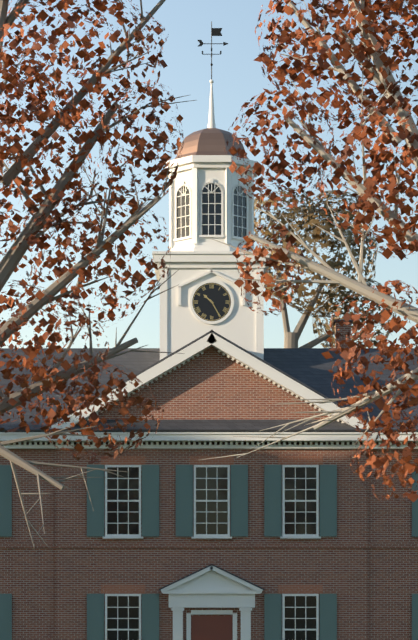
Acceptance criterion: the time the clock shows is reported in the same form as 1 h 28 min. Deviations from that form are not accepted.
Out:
10 h 25 min
